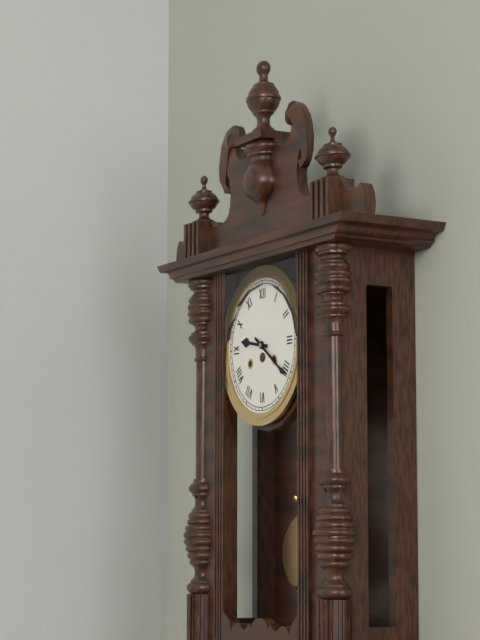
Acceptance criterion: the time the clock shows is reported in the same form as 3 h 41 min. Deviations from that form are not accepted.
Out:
9 h 21 min
